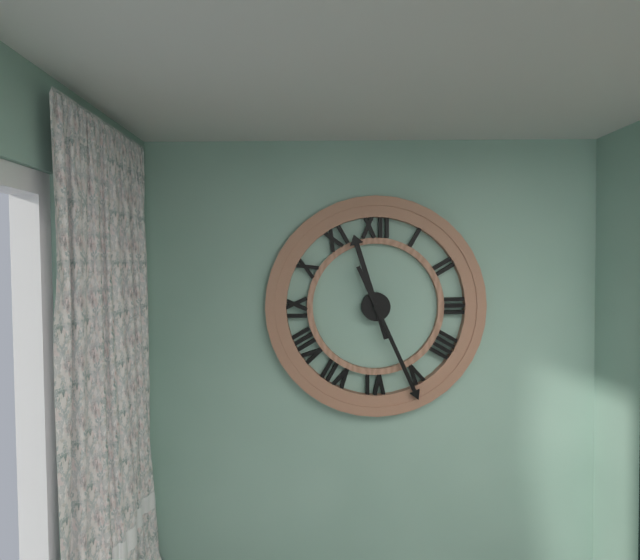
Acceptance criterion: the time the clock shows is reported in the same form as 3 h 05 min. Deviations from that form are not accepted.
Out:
11 h 26 min
